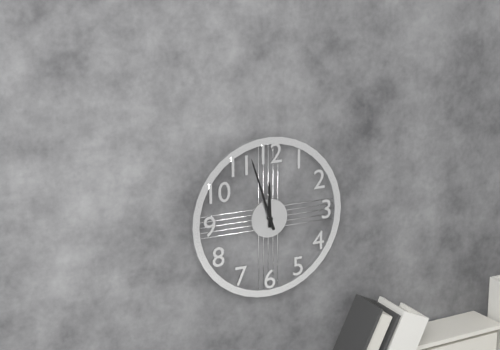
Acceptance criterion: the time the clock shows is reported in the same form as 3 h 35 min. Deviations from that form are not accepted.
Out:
11 h 57 min
